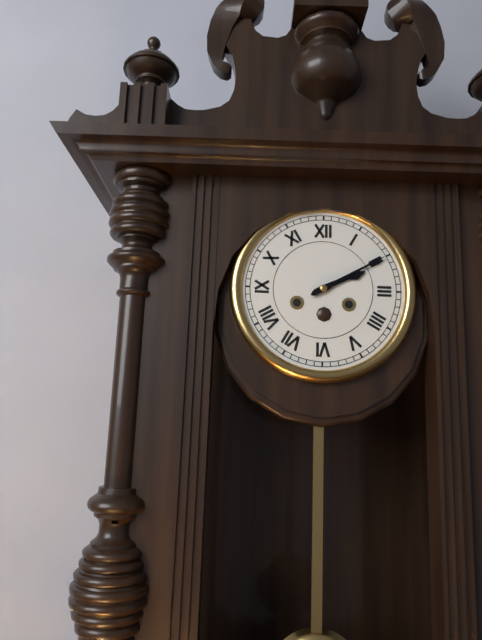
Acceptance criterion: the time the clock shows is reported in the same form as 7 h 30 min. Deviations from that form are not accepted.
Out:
2 h 10 min
